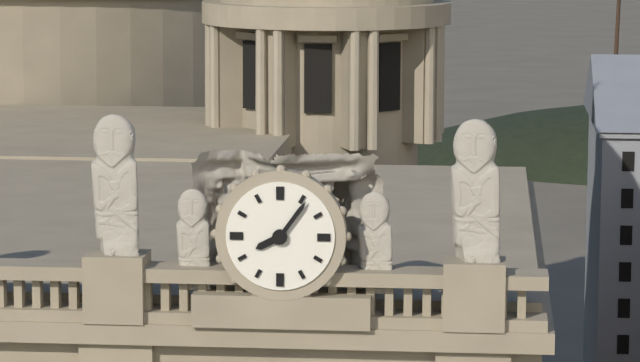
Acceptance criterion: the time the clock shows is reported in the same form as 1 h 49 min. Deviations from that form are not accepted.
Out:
8 h 06 min
